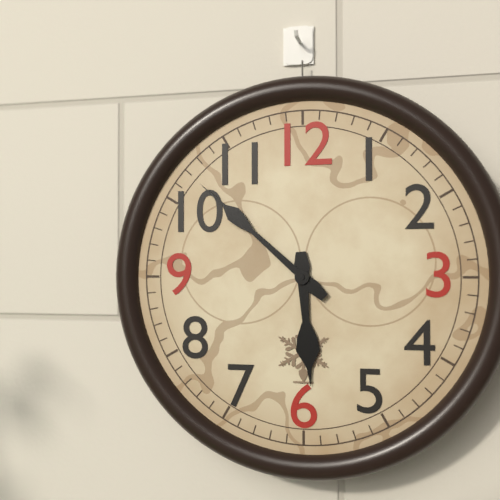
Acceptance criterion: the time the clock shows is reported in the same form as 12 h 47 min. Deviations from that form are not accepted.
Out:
5 h 52 min
